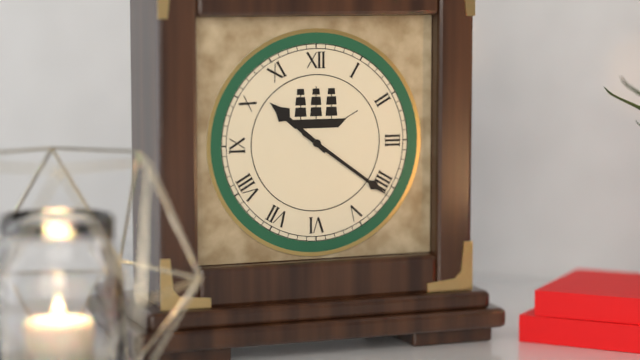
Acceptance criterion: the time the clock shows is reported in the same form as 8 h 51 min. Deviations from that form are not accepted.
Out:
10 h 21 min
